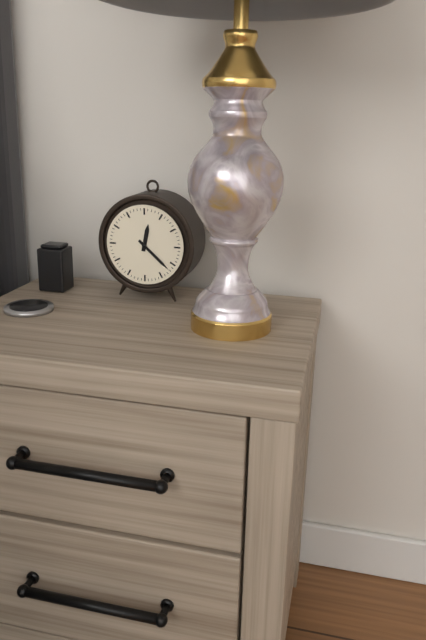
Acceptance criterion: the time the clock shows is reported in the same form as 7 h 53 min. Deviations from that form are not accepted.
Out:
12 h 22 min
